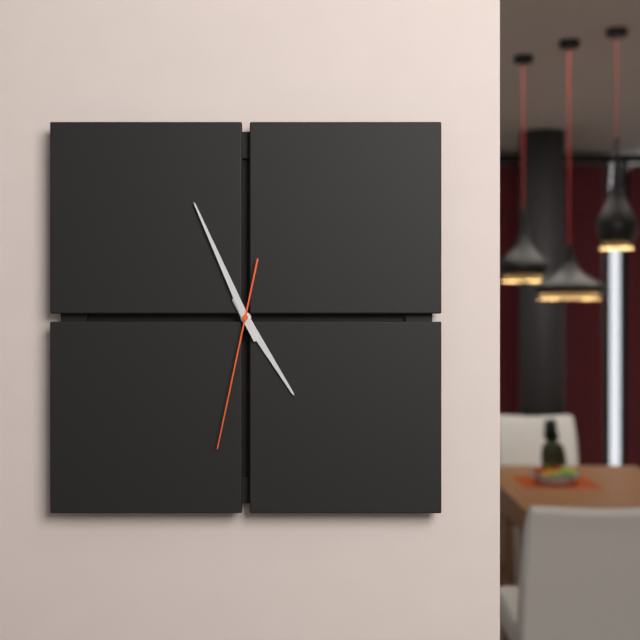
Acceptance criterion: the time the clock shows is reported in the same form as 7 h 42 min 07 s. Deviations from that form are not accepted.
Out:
4 h 56 min 32 s
